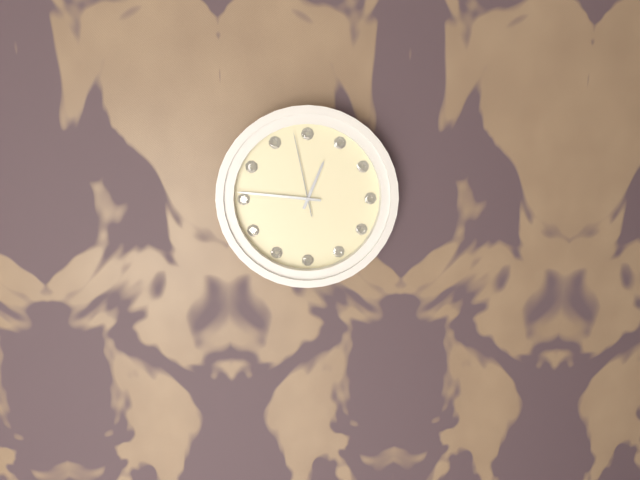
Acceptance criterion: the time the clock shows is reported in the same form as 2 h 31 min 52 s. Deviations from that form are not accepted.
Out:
12 h 46 min 58 s
